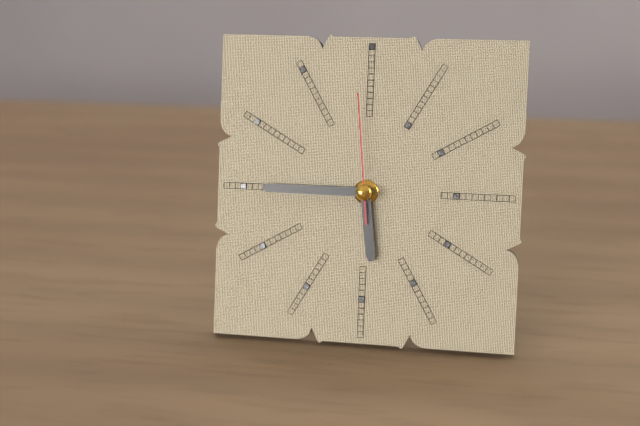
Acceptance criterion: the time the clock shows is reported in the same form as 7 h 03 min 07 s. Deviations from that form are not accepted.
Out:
5 h 45 min 59 s
